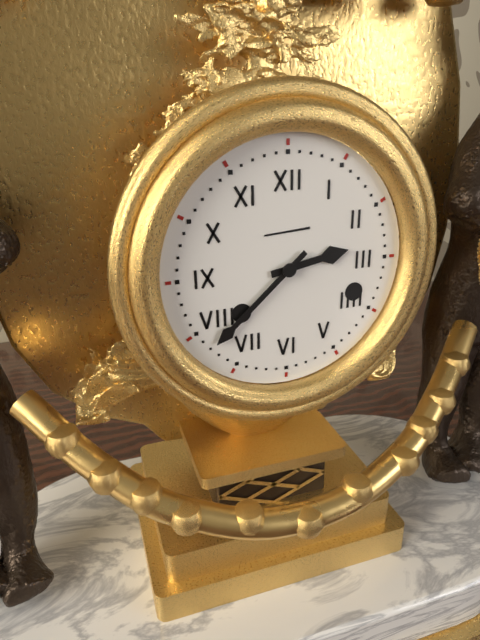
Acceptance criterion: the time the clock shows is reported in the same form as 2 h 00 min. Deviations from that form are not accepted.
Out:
2 h 38 min
